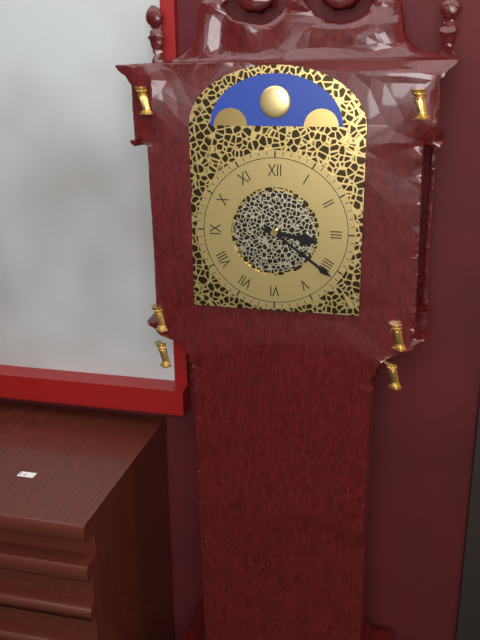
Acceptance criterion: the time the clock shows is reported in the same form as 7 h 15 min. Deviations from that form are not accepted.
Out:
3 h 21 min
